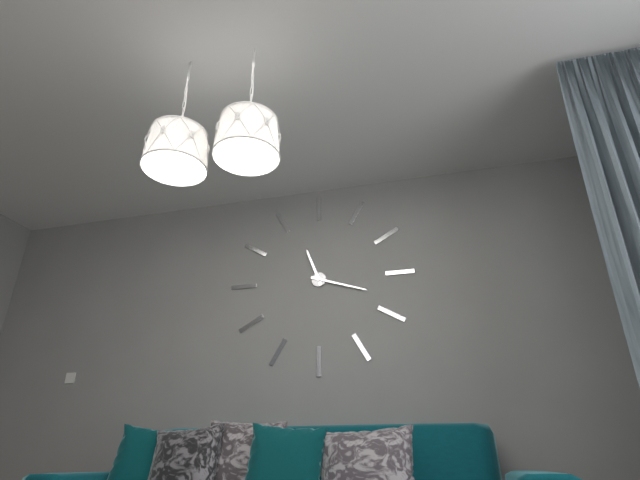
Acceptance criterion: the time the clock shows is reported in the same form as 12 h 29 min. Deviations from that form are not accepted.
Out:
11 h 18 min
